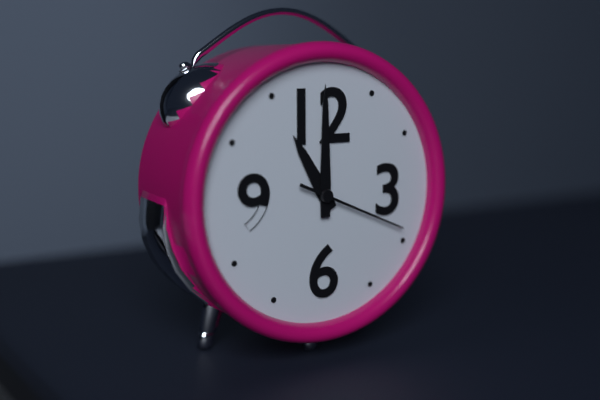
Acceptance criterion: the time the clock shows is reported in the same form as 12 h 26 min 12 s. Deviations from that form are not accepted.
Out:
11 h 00 min 19 s
